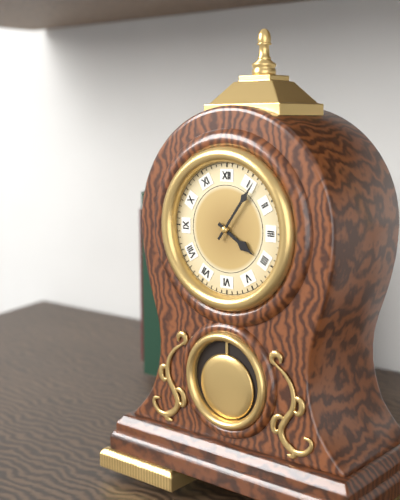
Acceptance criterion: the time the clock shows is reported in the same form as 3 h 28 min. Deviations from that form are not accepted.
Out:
4 h 06 min
